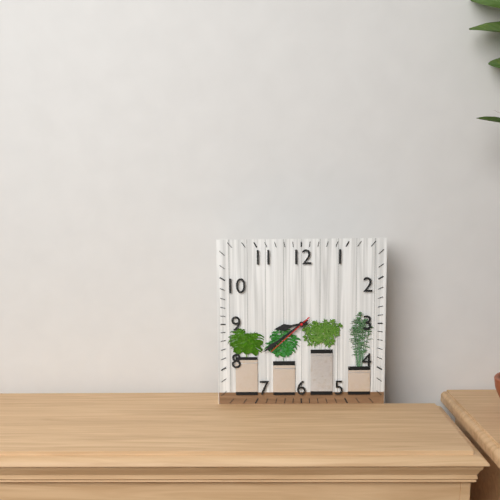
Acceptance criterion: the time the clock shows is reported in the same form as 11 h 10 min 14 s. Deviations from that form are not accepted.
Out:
8 h 39 min 38 s
